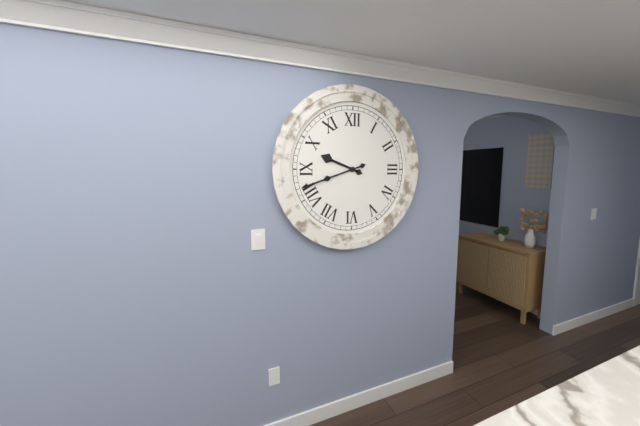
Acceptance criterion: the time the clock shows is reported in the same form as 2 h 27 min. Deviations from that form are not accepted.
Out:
9 h 42 min
